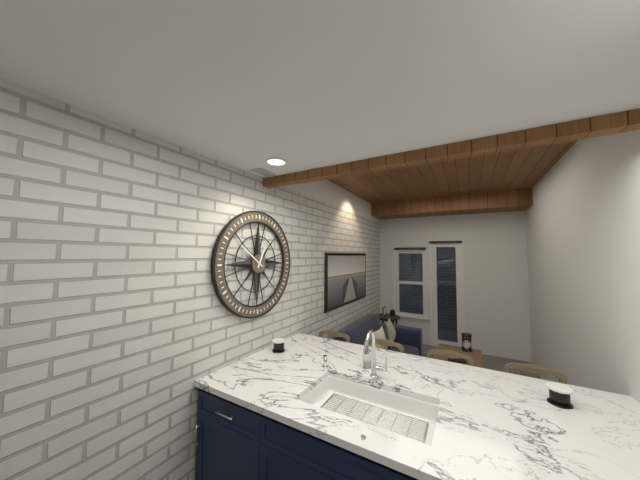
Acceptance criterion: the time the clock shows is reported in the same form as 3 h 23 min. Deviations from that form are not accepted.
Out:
12 h 51 min
